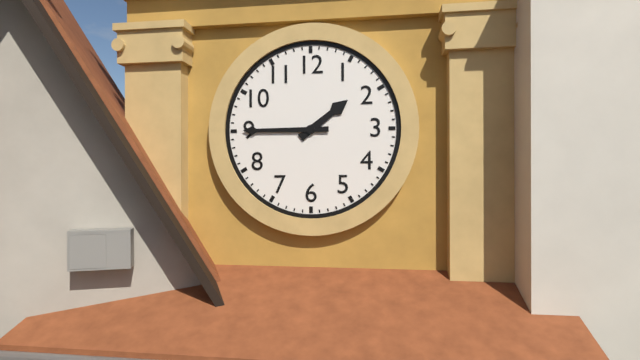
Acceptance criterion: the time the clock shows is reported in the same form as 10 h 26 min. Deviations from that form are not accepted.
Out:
1 h 45 min
